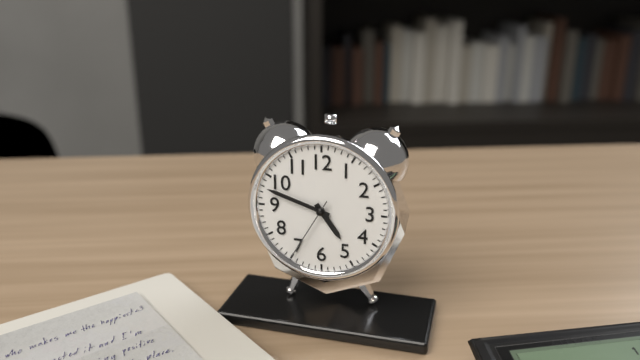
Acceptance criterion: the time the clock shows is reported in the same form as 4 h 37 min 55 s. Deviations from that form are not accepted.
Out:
4 h 48 min 35 s
